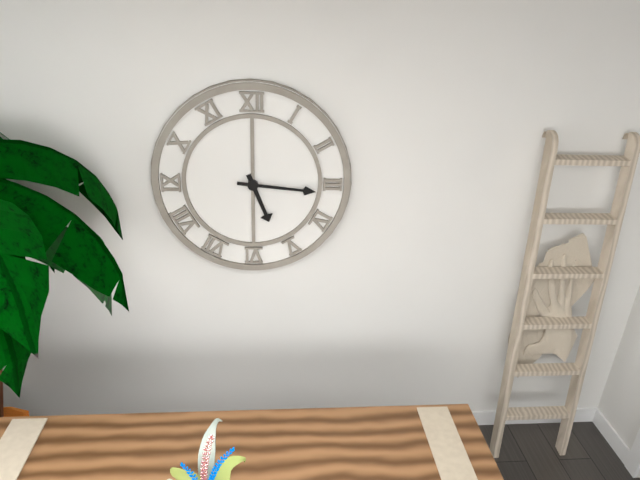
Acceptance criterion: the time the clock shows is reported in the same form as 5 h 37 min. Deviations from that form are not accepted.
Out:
5 h 16 min
